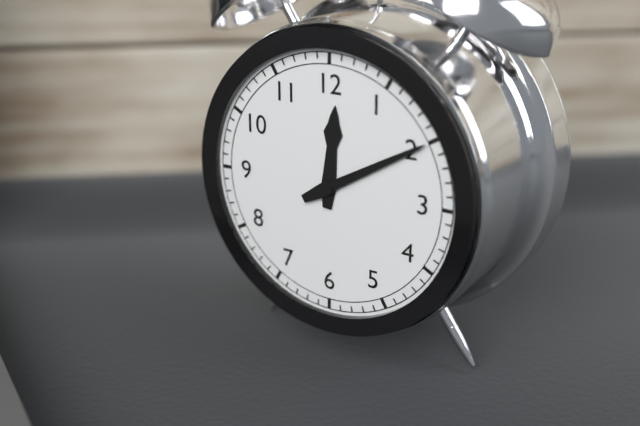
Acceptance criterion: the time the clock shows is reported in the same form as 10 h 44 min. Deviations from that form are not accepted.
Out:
12 h 10 min
